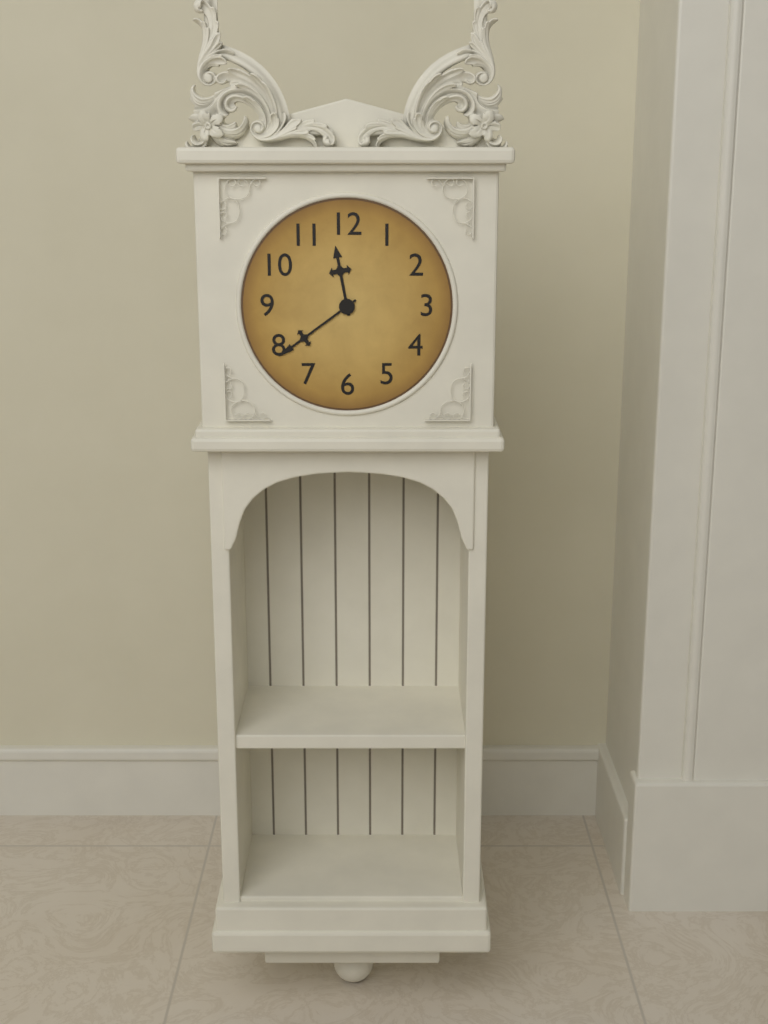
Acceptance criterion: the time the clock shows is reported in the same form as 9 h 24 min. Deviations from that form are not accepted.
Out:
11 h 39 min
